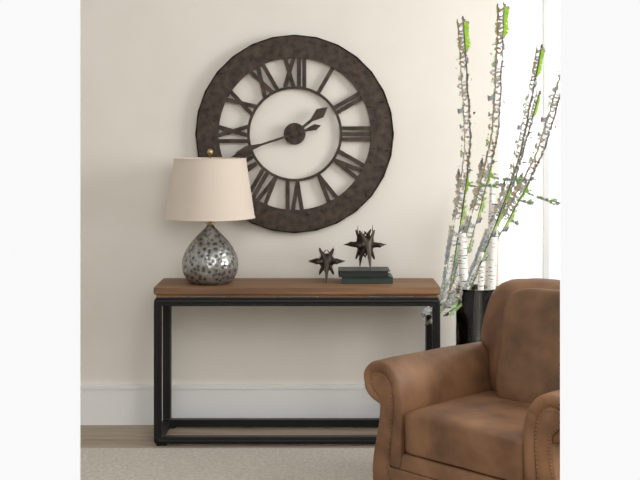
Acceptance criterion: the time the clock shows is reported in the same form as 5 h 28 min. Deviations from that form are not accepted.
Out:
1 h 42 min
